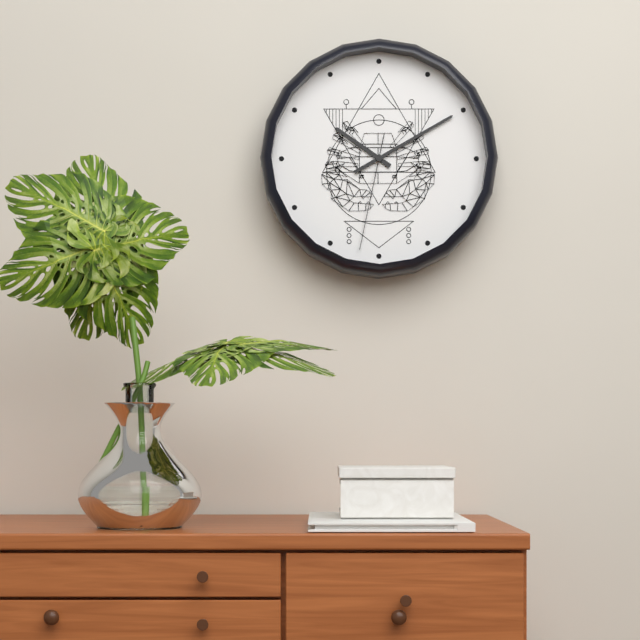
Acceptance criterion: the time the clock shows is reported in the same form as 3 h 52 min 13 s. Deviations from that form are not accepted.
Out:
10 h 10 min 32 s
